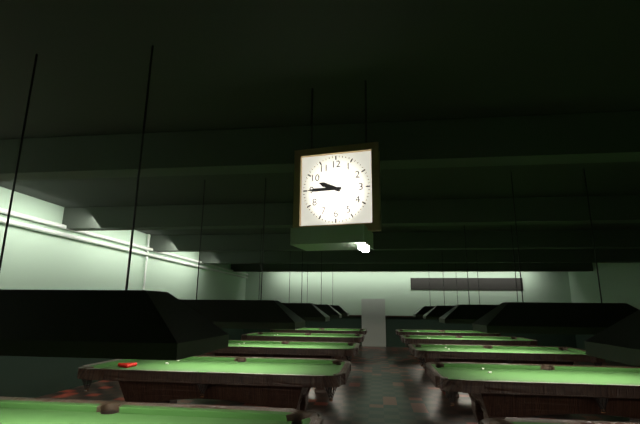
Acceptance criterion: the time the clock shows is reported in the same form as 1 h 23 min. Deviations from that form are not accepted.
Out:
9 h 45 min
